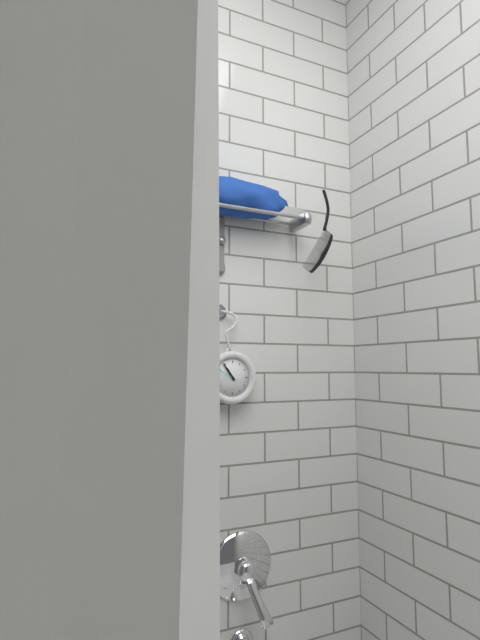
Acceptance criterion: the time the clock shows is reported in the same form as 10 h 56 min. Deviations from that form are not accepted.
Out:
10 h 54 min
